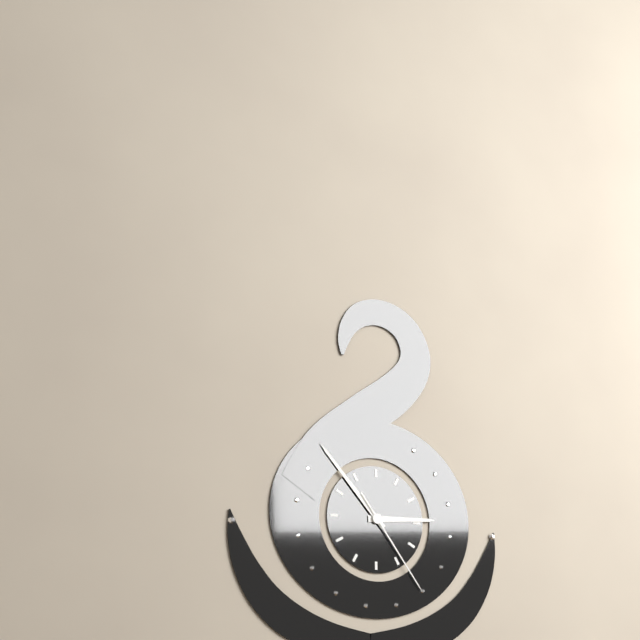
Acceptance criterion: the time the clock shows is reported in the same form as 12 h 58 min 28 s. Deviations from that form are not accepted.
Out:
2 h 53 min 24 s
